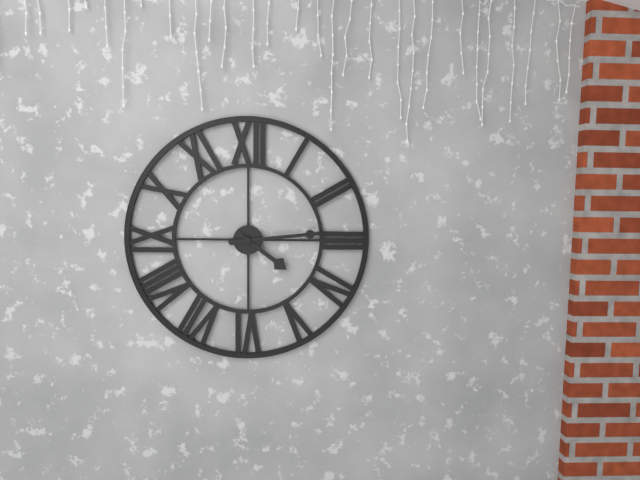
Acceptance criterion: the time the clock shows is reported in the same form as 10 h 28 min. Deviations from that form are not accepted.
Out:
4 h 14 min
